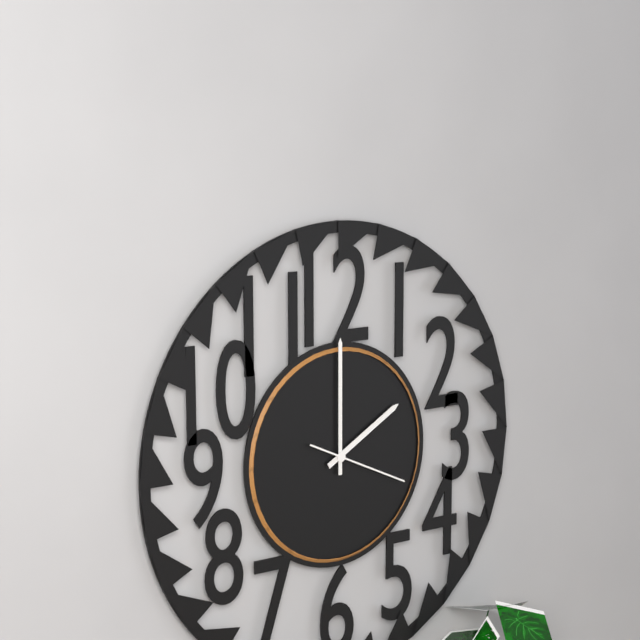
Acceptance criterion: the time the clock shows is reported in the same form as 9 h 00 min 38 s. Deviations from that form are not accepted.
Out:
2 h 00 min 19 s
